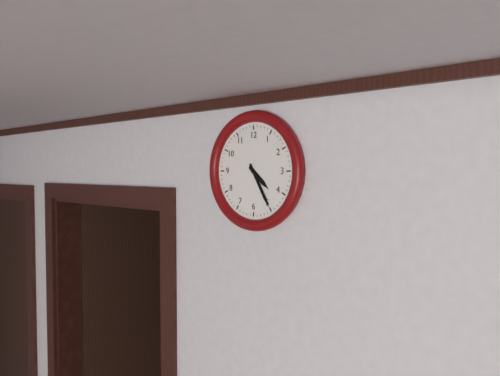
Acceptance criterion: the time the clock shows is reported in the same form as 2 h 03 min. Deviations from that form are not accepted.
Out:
4 h 25 min
